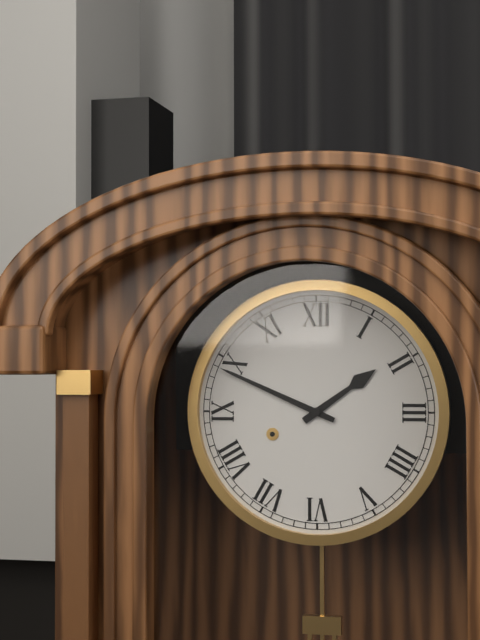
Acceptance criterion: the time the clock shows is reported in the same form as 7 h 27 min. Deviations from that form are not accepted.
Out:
1 h 49 min
